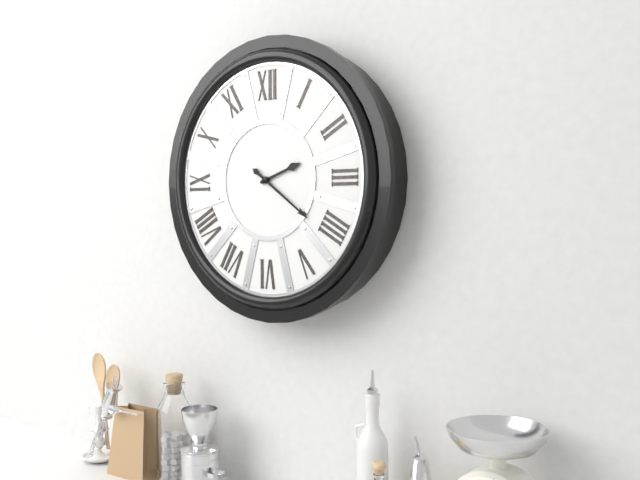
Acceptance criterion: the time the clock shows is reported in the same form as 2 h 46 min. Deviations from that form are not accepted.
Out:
2 h 21 min
